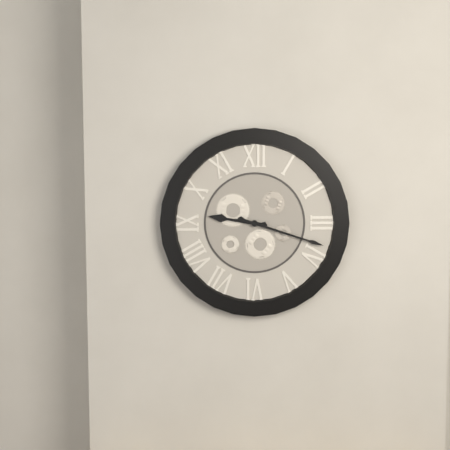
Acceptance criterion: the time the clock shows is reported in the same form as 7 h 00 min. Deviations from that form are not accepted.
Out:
9 h 18 min
